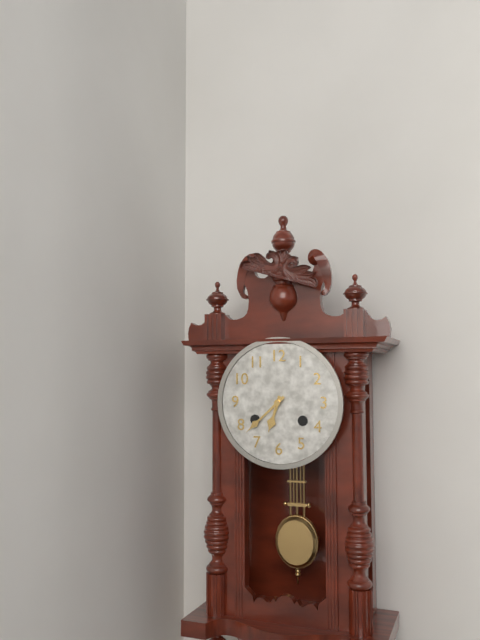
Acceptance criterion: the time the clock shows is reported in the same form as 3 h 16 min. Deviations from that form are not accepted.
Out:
6 h 38 min
